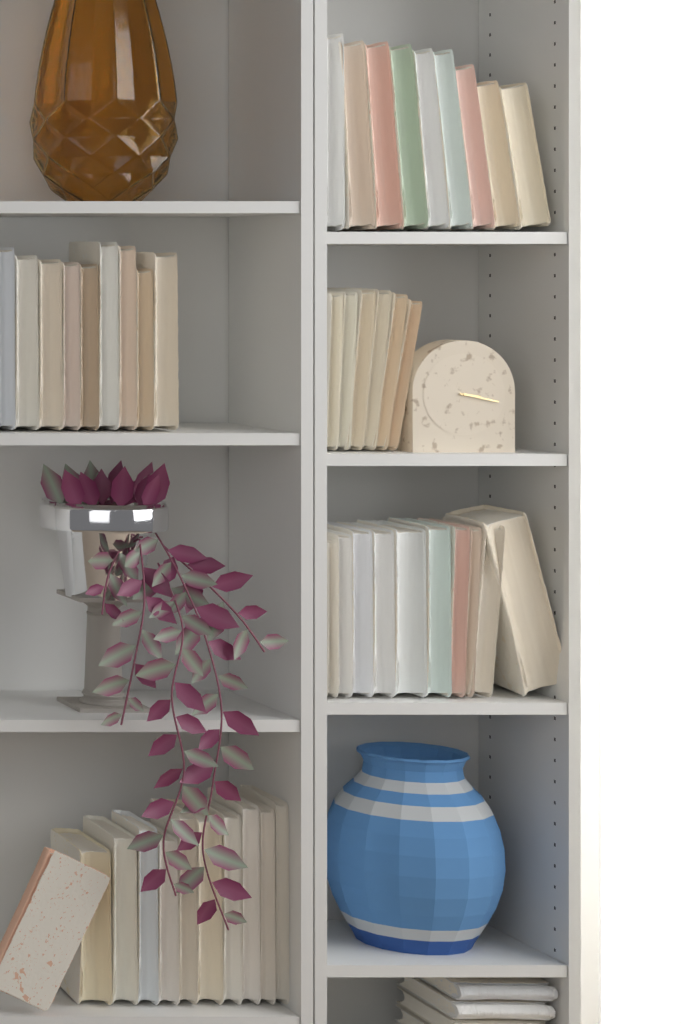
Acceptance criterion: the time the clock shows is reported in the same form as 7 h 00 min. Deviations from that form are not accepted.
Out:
3 h 17 min
